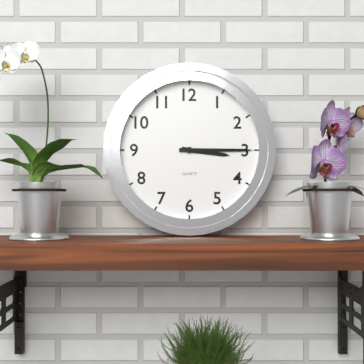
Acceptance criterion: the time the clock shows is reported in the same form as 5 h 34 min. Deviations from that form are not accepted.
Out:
3 h 15 min
